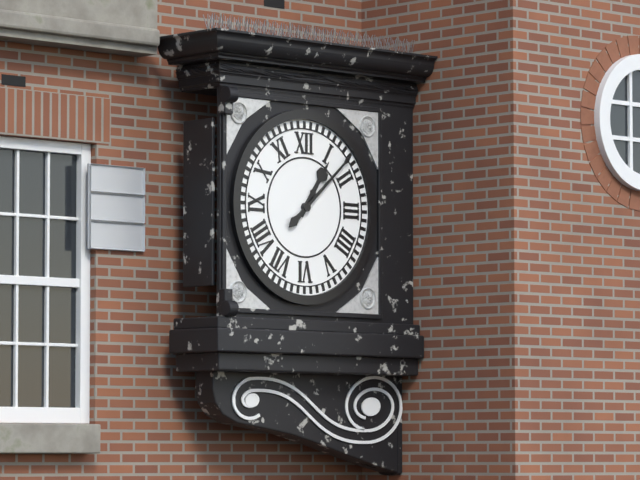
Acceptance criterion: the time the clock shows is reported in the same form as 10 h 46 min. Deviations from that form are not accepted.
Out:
1 h 08 min
